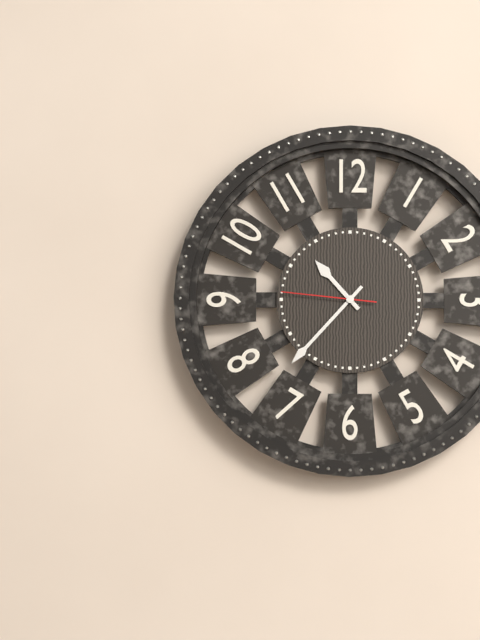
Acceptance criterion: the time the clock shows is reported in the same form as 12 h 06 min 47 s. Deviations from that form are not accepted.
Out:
10 h 37 min 46 s
